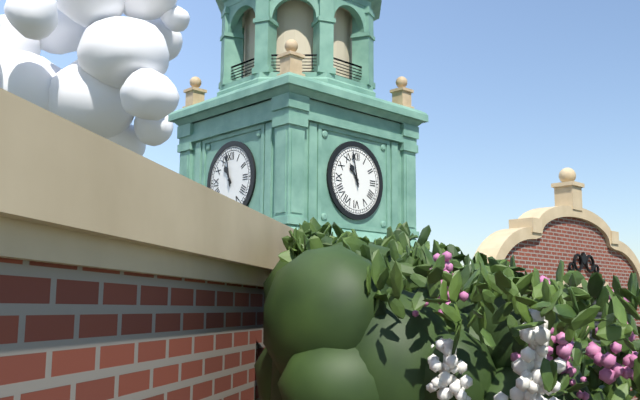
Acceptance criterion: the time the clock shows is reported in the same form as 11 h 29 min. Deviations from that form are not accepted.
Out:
10 h 58 min
